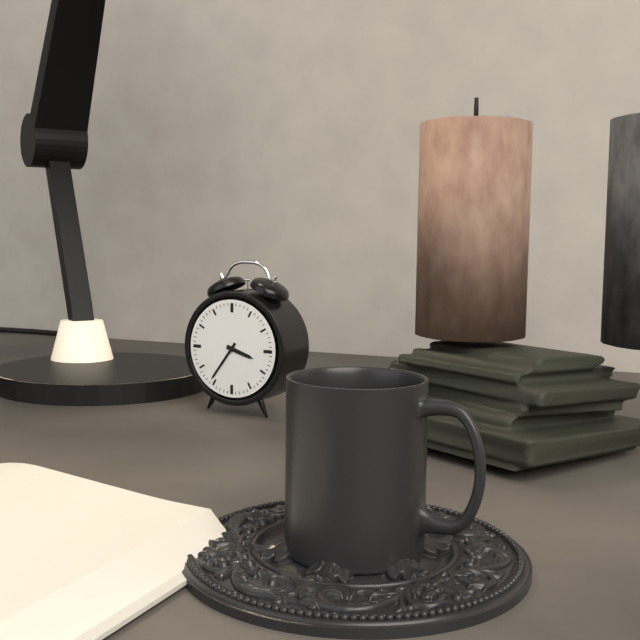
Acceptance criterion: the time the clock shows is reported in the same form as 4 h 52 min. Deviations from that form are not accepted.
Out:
3 h 36 min
